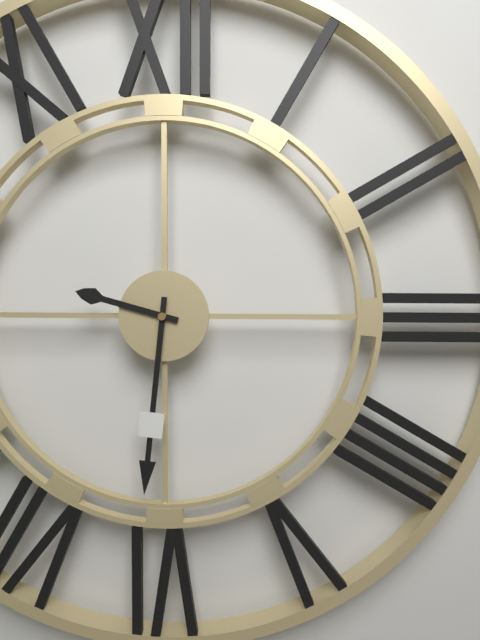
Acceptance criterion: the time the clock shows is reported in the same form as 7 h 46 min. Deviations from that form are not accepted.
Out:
9 h 31 min
